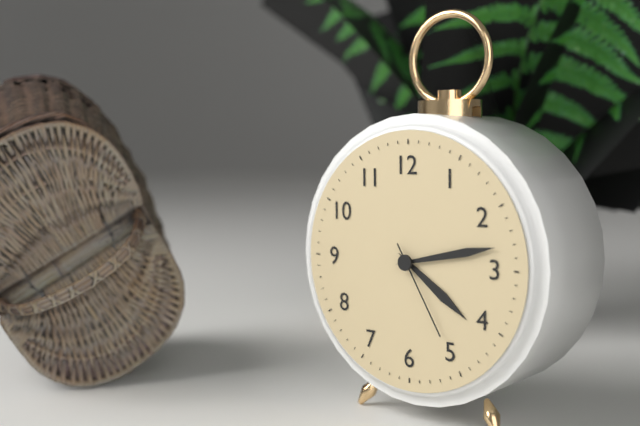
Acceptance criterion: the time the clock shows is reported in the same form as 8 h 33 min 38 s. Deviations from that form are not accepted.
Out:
4 h 13 min 25 s
